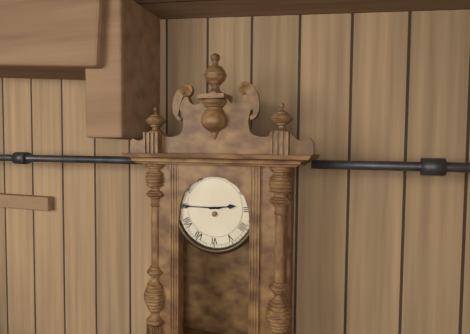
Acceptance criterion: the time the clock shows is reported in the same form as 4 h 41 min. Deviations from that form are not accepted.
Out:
2 h 45 min
